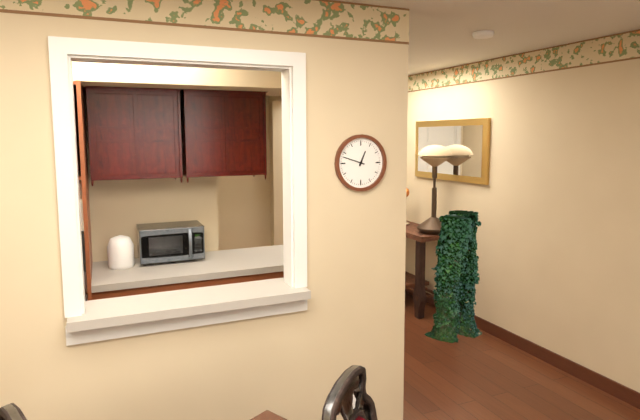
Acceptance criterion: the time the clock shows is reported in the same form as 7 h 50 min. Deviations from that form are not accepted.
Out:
12 h 48 min
